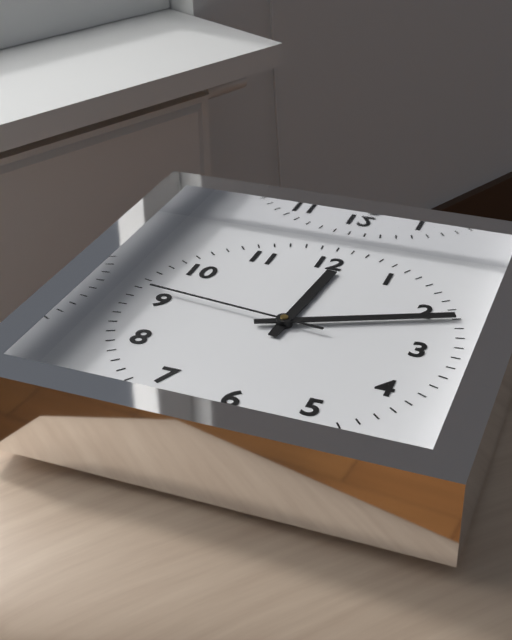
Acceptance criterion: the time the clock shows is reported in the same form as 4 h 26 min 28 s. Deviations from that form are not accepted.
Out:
12 h 11 min 46 s
